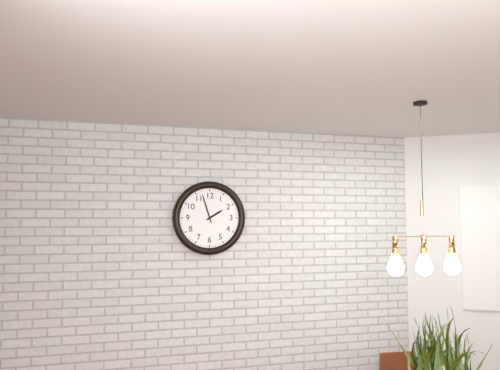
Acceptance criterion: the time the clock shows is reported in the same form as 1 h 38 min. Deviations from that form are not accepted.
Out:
1 h 57 min
